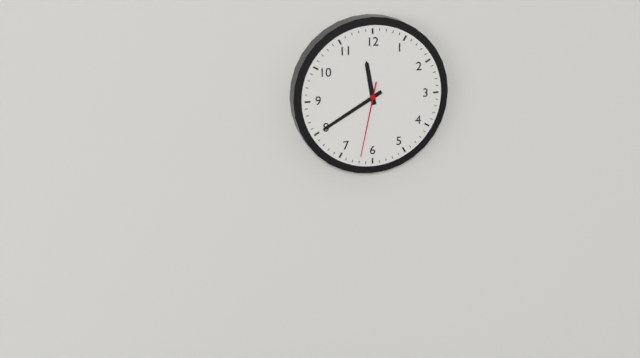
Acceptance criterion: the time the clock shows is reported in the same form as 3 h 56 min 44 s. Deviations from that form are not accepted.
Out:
11 h 40 min 32 s
